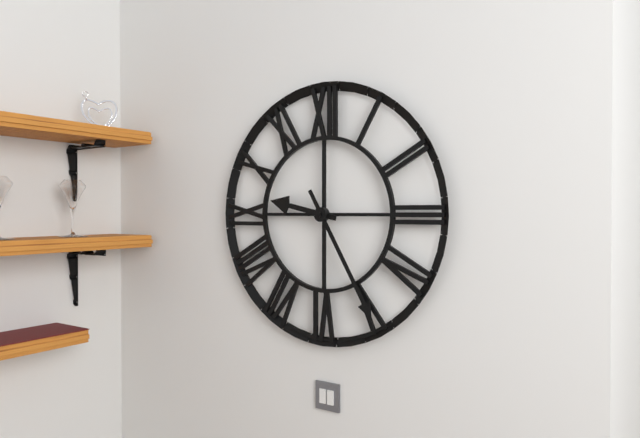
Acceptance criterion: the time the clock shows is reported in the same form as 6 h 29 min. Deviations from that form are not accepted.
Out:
9 h 25 min
